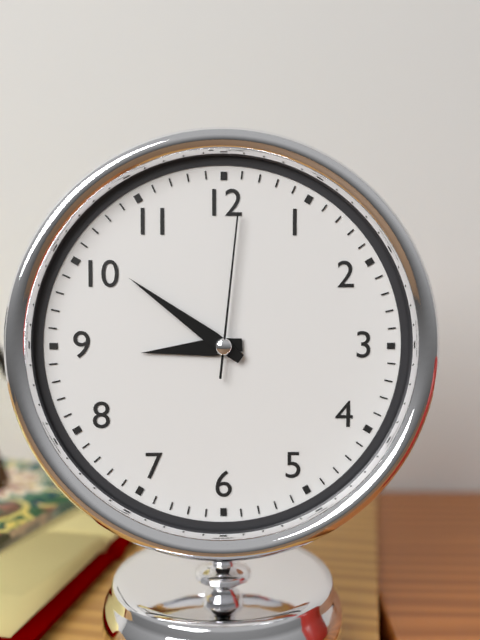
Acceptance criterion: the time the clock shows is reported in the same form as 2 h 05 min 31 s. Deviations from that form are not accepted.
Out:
8 h 51 min 01 s
